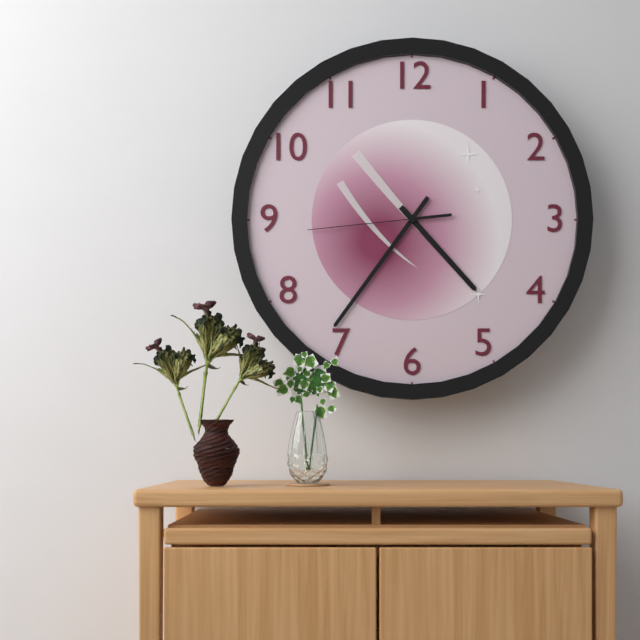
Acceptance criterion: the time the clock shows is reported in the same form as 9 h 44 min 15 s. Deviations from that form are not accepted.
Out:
4 h 36 min 44 s
